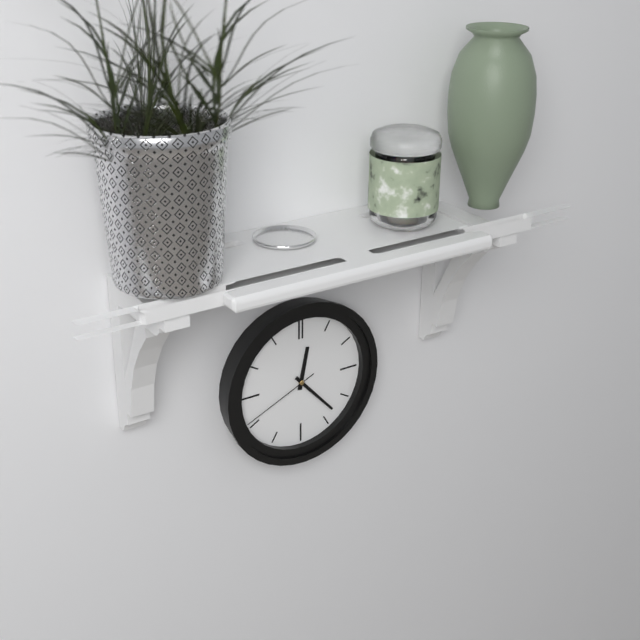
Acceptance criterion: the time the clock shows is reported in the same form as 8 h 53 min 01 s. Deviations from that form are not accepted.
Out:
12 h 23 min 41 s
